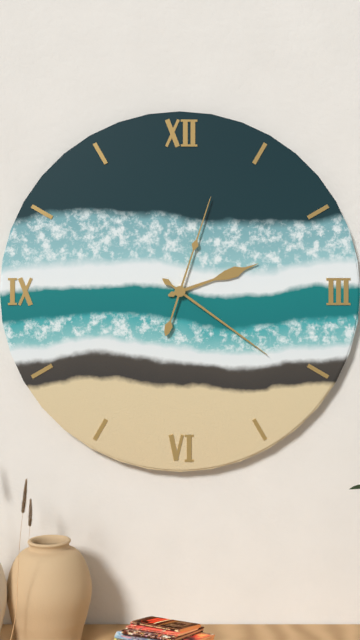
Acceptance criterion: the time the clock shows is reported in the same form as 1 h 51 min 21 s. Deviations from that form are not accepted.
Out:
2 h 21 min 03 s
